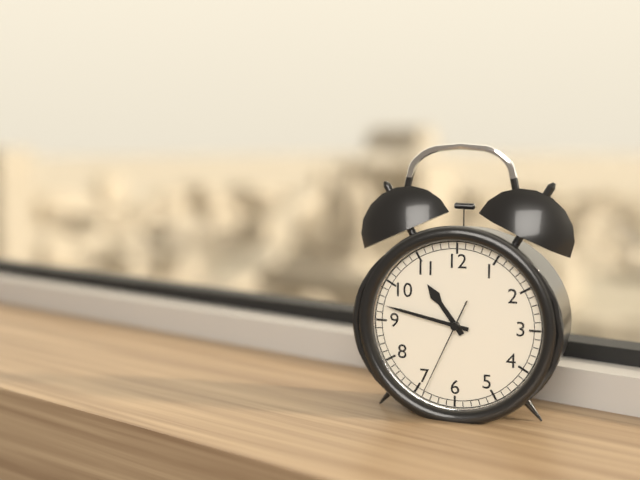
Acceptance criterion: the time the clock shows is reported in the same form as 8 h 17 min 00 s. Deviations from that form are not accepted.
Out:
10 h 47 min 34 s
